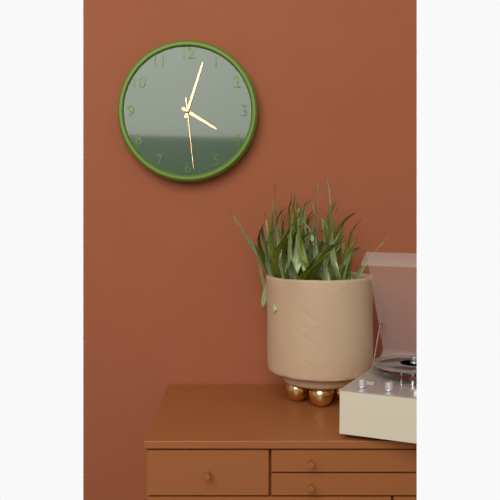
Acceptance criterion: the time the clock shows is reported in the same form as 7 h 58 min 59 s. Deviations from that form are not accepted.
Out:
4 h 03 min 29 s
